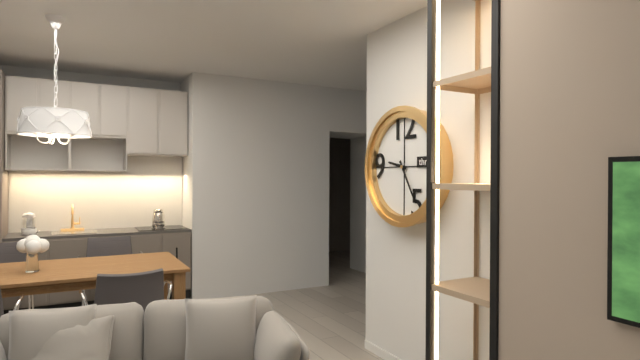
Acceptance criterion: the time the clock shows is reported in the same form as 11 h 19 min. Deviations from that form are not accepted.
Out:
9 h 25 min
